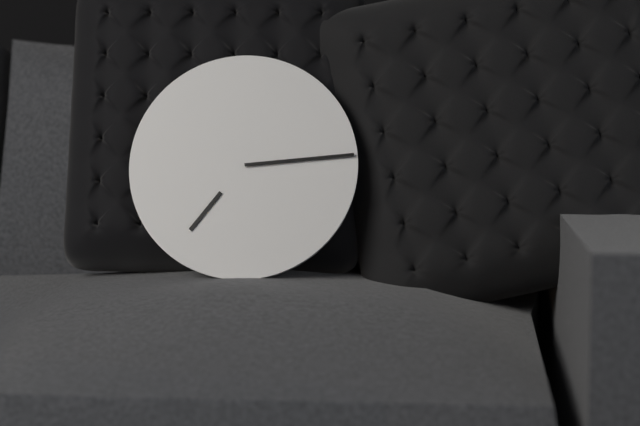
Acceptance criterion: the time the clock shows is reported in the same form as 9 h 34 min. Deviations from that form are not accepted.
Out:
7 h 14 min
